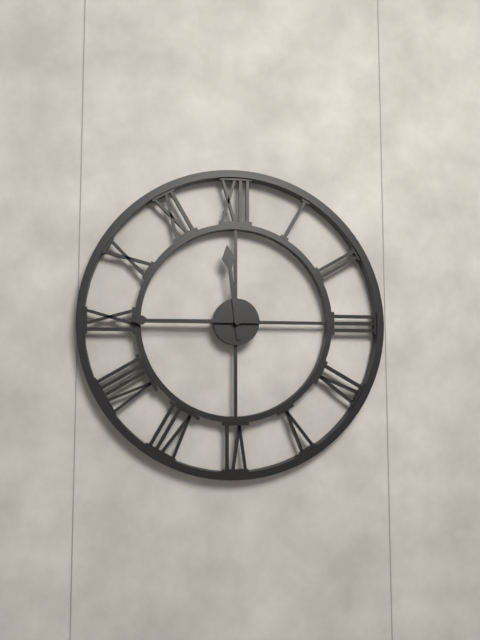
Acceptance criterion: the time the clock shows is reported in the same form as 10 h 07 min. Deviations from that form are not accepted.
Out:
11 h 45 min
